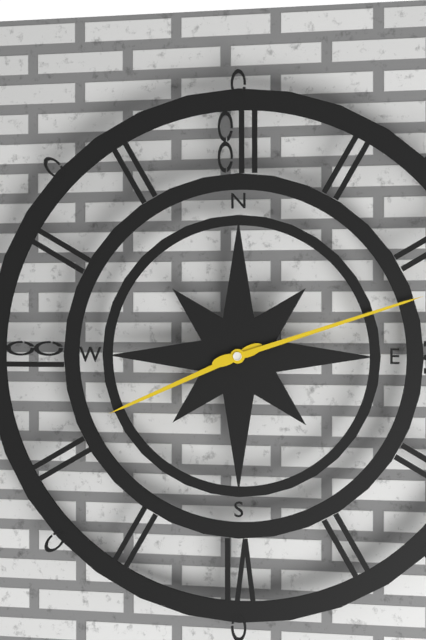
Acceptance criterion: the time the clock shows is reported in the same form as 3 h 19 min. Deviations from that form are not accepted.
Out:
8 h 12 min
